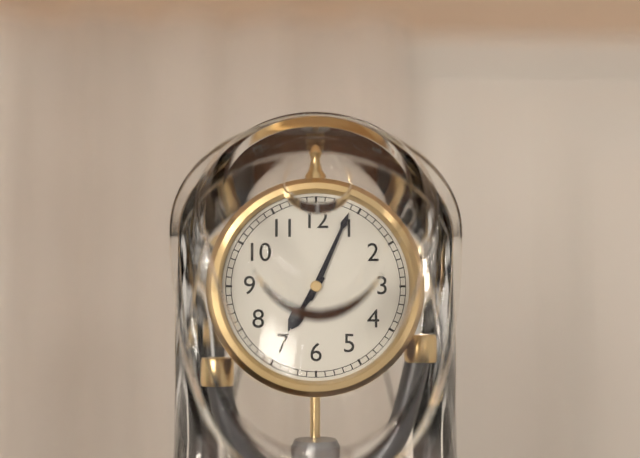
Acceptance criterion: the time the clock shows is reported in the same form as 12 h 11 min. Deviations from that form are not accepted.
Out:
7 h 04 min
